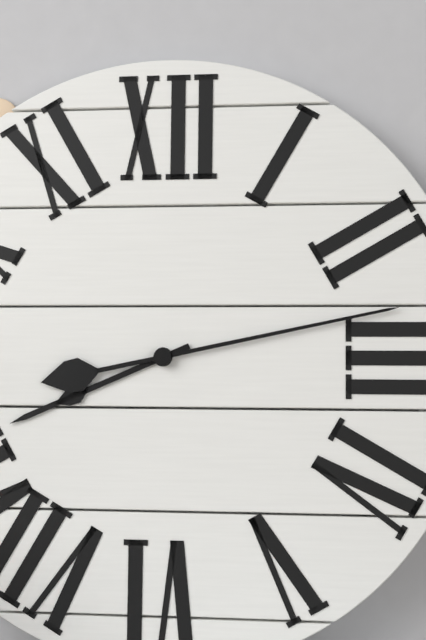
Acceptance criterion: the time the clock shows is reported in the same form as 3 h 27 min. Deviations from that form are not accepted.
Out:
8 h 13 min
